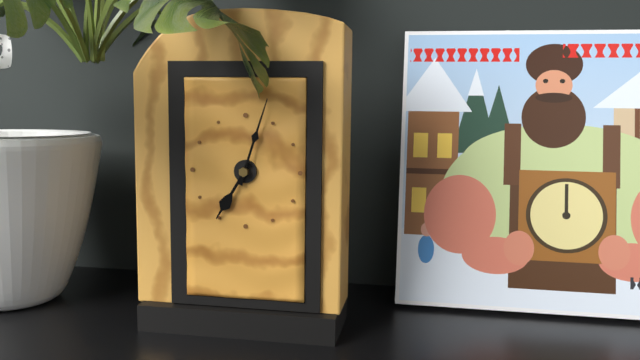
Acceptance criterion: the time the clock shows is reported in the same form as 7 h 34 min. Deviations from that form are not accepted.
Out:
7 h 03 min
